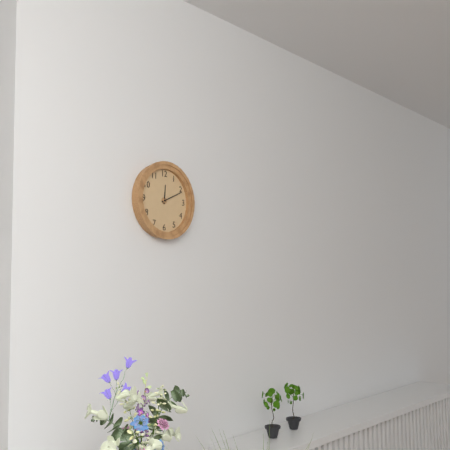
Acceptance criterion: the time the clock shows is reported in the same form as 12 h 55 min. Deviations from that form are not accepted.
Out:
12 h 11 min
